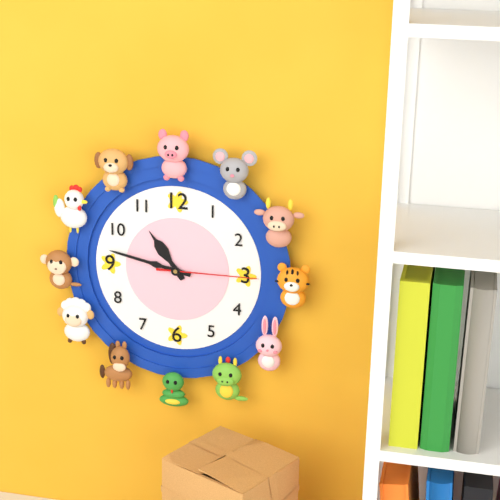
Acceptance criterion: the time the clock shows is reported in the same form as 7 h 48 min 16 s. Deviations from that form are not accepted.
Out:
10 h 47 min 15 s
